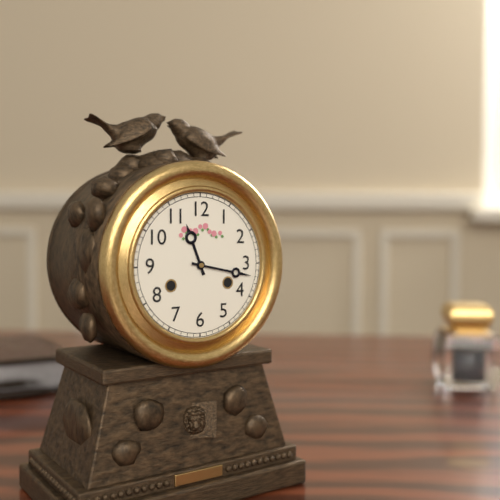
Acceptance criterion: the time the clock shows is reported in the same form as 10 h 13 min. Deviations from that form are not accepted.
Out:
11 h 17 min
